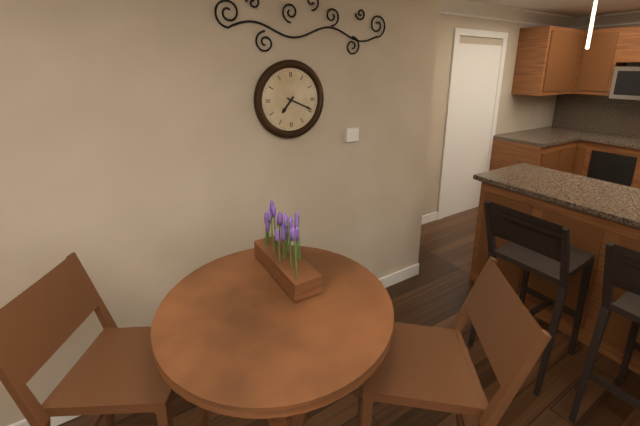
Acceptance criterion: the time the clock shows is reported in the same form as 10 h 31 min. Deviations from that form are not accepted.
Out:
7 h 19 min
